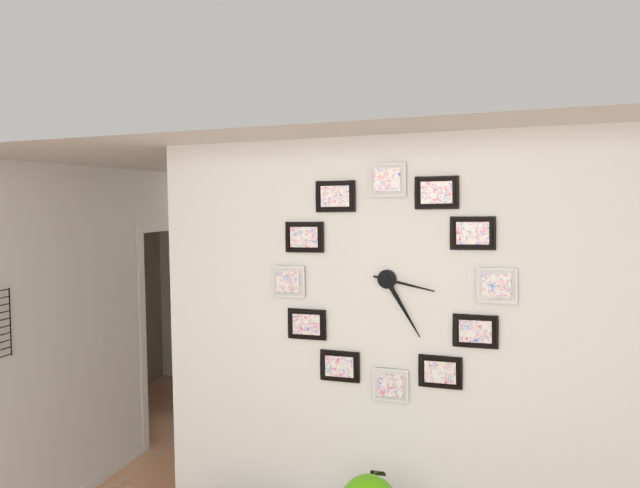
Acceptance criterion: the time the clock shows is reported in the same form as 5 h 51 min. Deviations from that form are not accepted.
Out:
3 h 25 min
